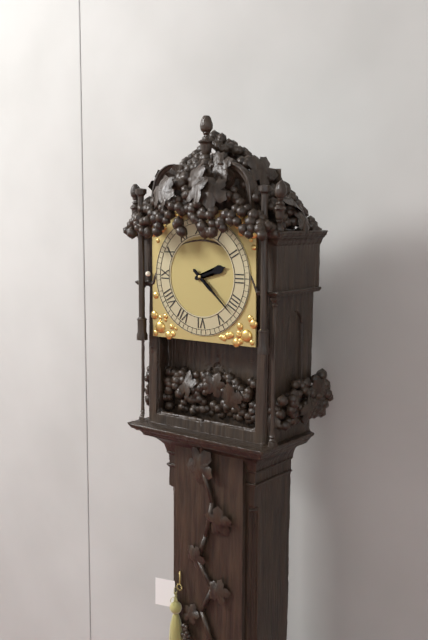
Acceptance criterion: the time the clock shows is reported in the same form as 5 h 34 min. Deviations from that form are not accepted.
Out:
2 h 22 min
